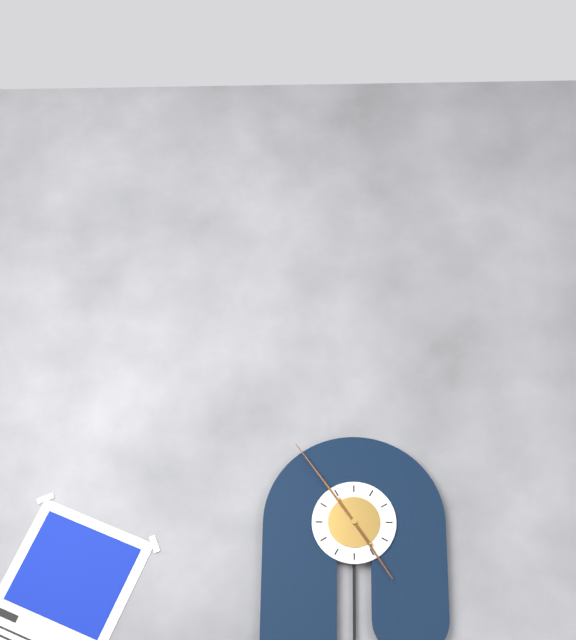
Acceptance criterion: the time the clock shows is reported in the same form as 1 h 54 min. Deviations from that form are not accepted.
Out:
4 h 54 min
